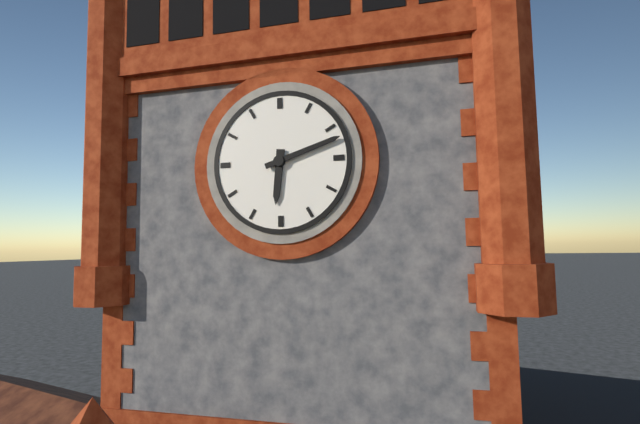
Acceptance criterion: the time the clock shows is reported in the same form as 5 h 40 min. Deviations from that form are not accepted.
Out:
6 h 12 min
